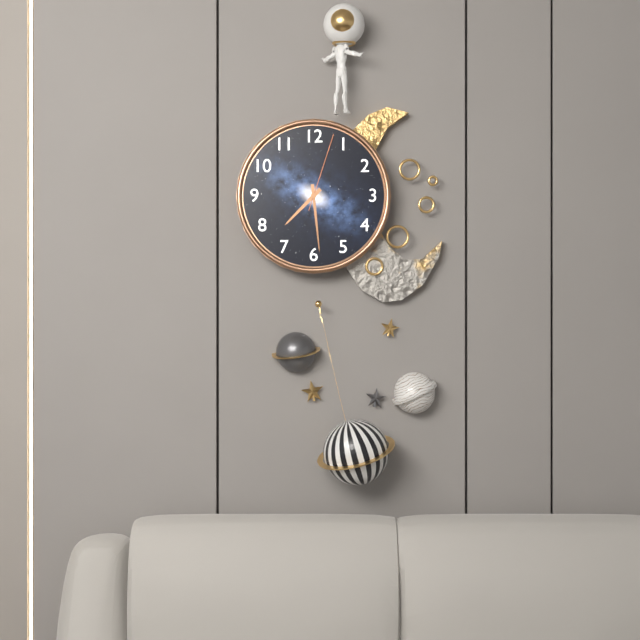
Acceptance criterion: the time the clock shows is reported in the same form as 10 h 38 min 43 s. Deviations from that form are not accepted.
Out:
7 h 29 min 03 s
